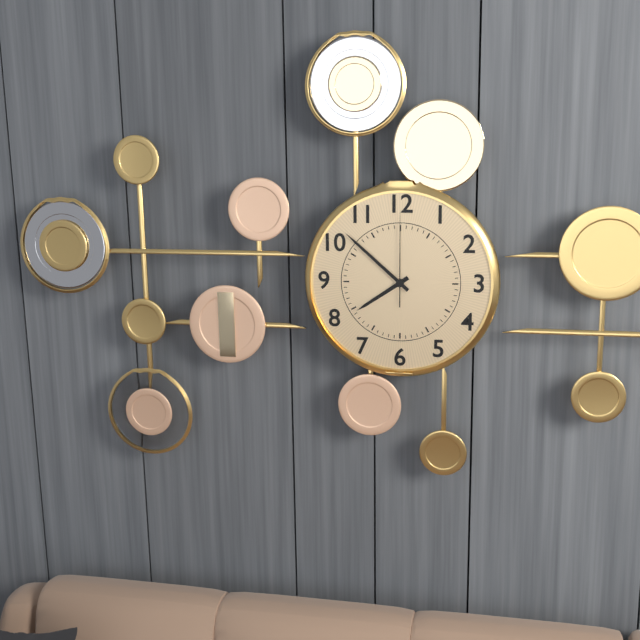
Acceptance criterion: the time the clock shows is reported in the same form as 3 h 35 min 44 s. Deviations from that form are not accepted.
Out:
7 h 52 min 00 s
